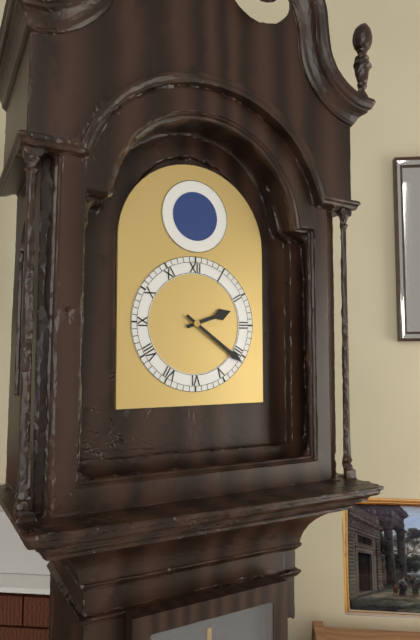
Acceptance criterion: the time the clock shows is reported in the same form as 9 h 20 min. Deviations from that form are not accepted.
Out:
2 h 21 min
